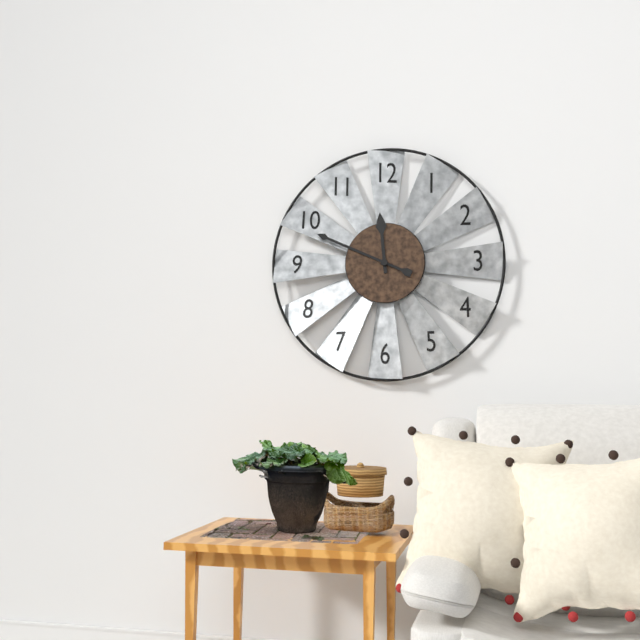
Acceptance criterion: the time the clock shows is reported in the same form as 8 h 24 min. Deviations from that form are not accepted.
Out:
11 h 49 min
